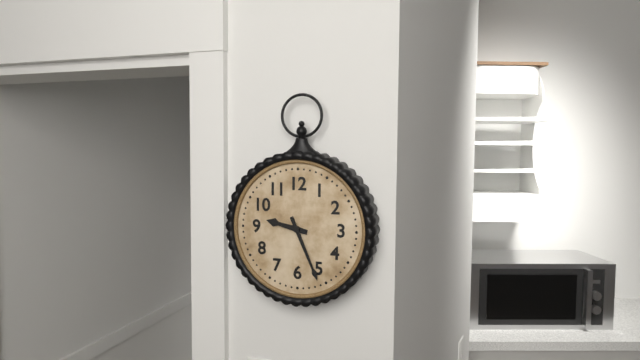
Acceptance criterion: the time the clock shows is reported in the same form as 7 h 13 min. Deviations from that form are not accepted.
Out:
9 h 26 min
